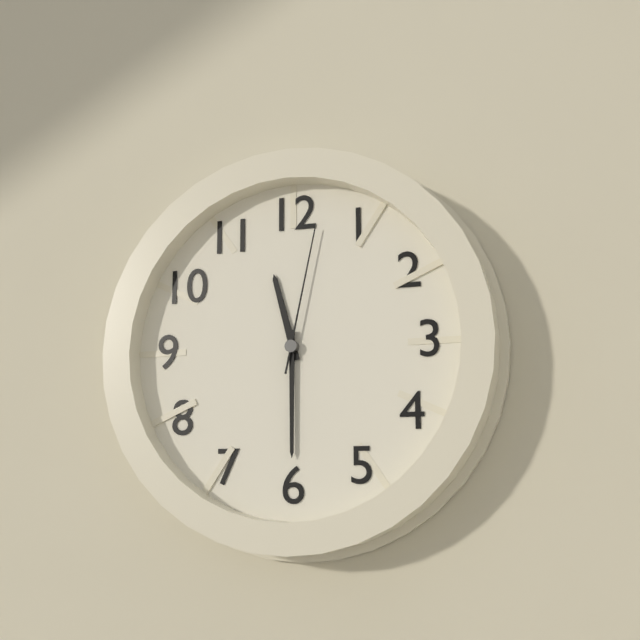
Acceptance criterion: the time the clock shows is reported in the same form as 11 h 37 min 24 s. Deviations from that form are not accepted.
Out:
11 h 30 min 02 s
